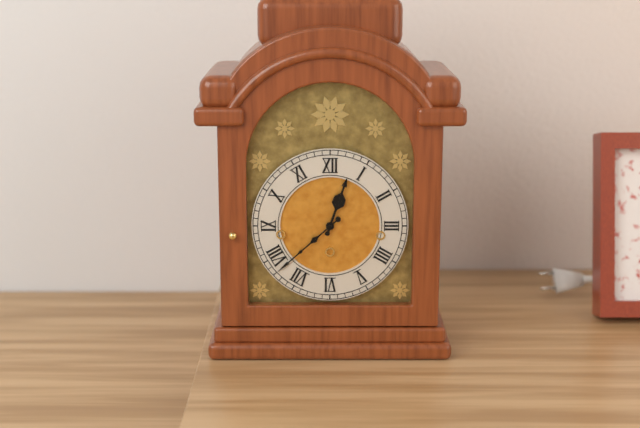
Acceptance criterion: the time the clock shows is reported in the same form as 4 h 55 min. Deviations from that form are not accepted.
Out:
12 h 38 min
